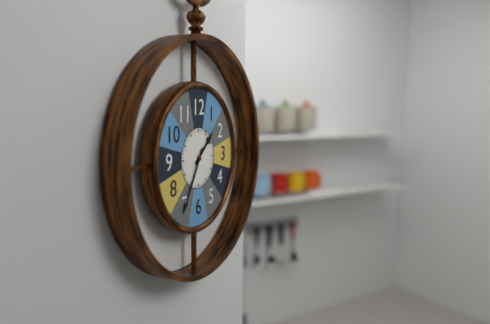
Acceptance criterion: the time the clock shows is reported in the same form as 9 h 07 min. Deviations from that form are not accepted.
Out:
1 h 35 min
